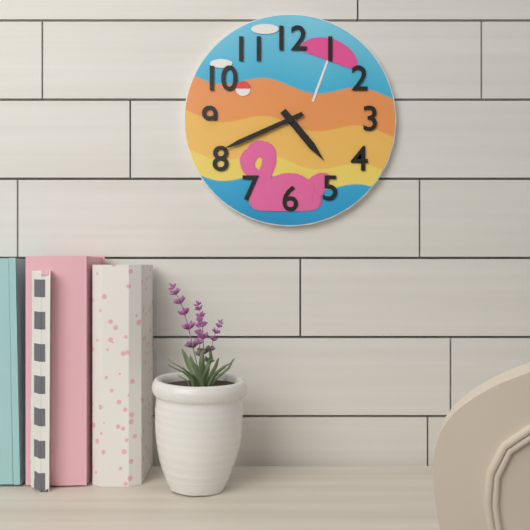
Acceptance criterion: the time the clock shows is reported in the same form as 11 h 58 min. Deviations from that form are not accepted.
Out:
4 h 41 min
